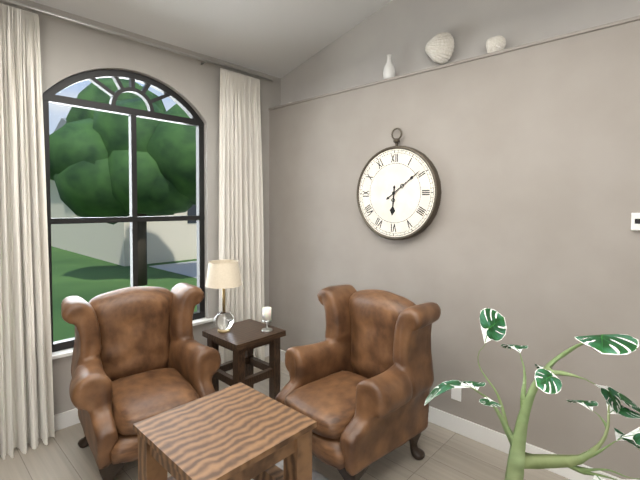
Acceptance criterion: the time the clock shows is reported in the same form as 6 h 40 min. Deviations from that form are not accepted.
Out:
6 h 09 min
